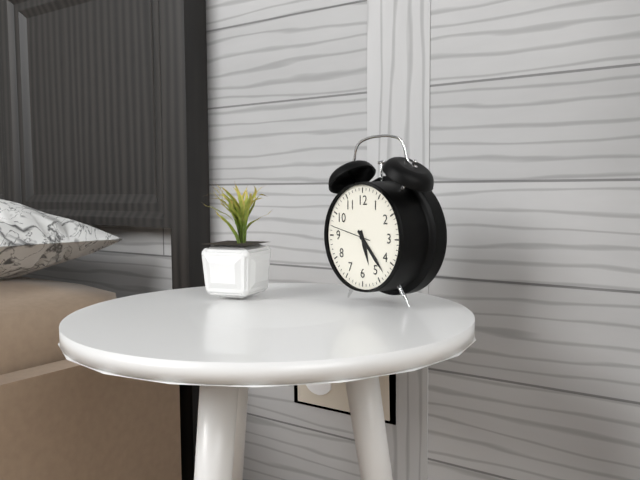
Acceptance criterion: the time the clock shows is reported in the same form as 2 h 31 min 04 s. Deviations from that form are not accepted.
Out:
5 h 23 min 47 s
